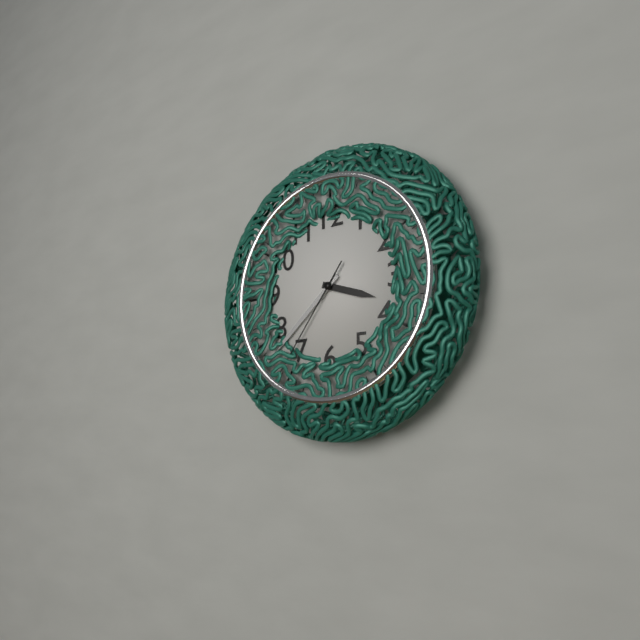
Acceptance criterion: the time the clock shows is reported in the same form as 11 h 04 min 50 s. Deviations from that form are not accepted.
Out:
3 h 38 min 36 s
